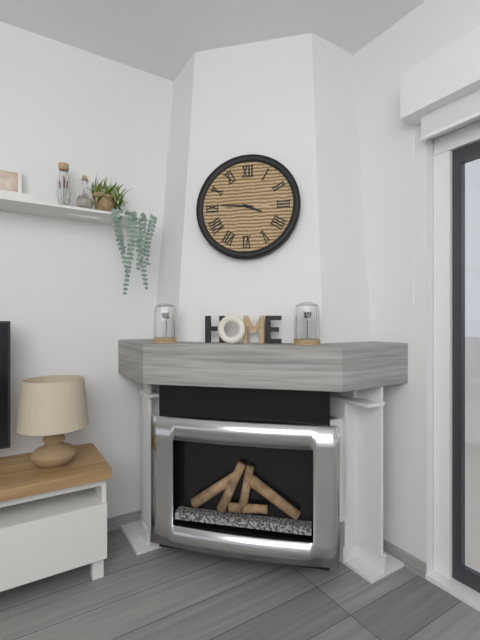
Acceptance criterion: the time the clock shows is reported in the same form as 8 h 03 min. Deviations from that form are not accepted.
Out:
3 h 46 min
